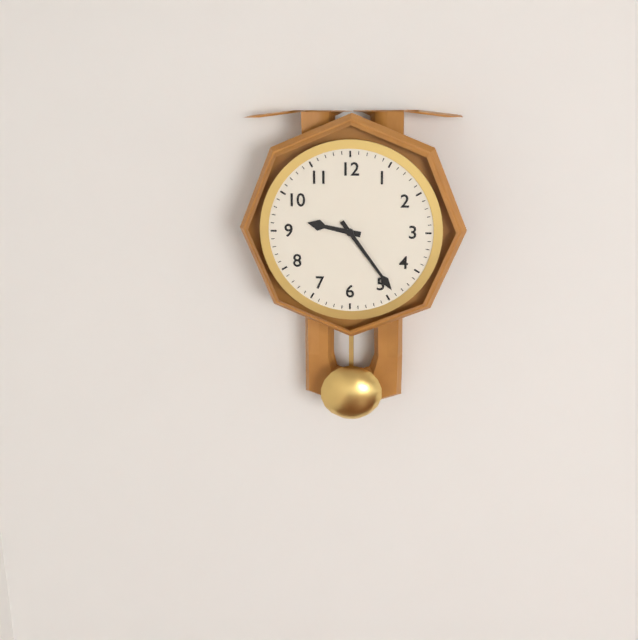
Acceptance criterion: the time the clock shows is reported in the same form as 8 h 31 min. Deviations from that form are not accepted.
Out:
9 h 24 min
